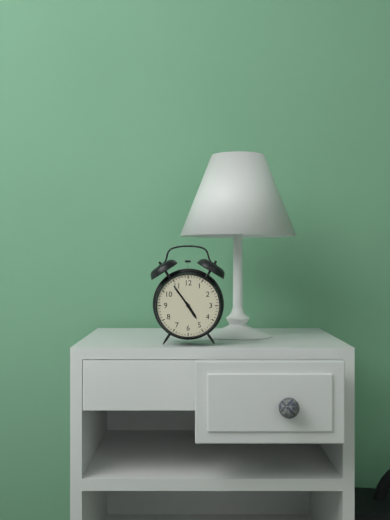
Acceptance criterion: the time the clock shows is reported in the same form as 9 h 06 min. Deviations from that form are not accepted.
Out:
4 h 54 min
